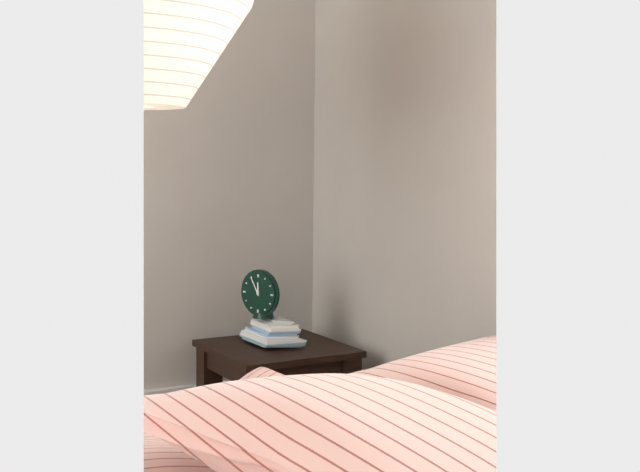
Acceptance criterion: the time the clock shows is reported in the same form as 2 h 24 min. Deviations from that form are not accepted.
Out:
11 h 55 min
